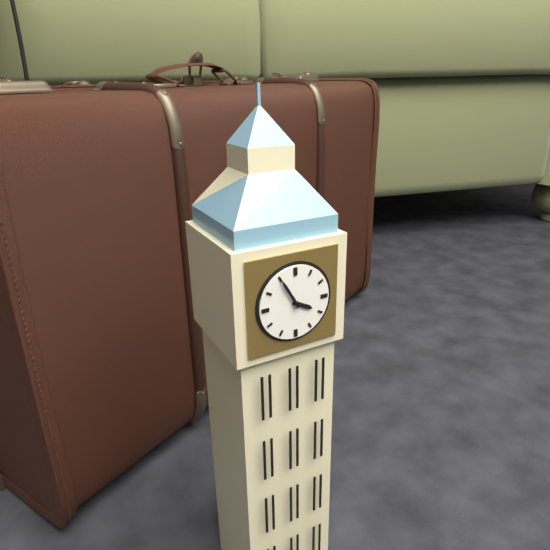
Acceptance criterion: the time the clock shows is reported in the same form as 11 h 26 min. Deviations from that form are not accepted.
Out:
3 h 55 min
